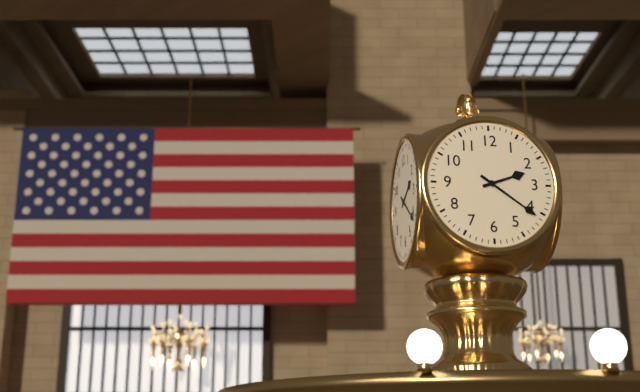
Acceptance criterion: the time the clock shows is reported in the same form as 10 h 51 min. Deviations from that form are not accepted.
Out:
2 h 21 min
